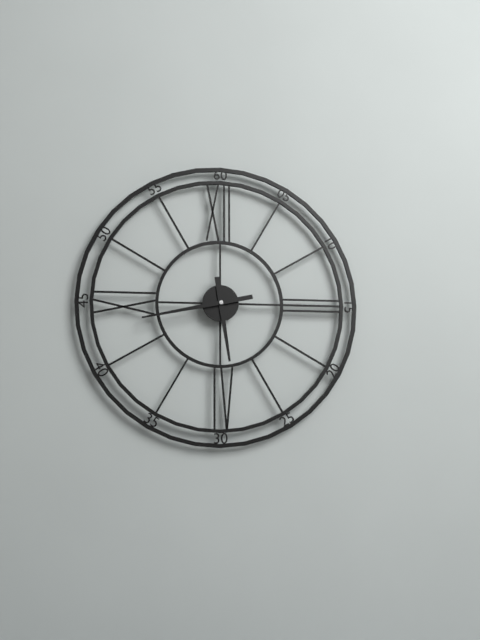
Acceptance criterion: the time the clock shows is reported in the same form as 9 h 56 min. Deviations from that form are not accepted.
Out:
5 h 43 min
